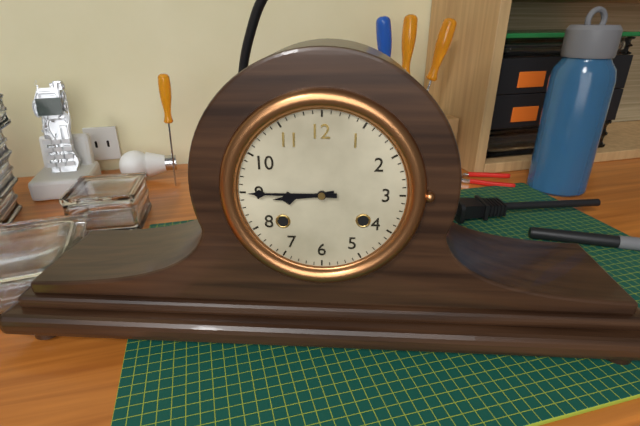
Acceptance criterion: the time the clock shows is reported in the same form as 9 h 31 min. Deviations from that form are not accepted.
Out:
8 h 45 min
